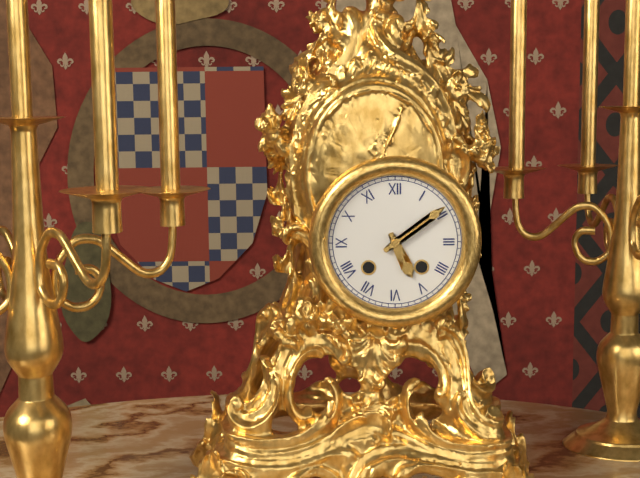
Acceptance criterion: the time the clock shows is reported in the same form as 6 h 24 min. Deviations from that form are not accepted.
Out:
5 h 09 min
